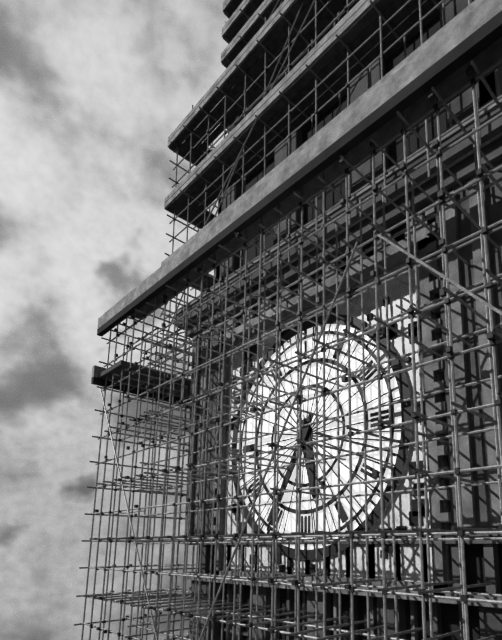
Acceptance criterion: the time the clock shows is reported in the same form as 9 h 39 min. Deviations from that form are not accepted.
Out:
5 h 35 min
